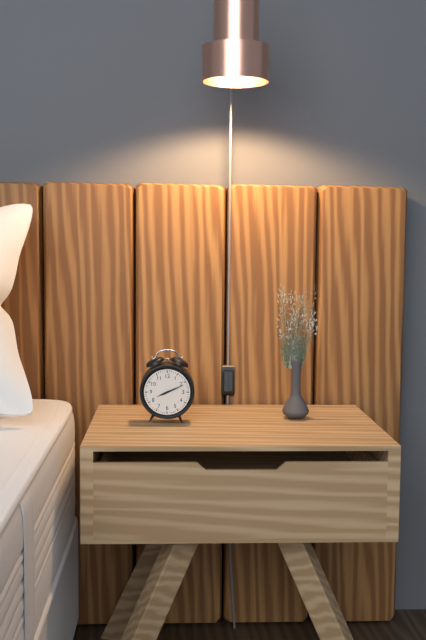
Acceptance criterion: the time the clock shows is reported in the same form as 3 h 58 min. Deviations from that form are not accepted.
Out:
8 h 11 min
